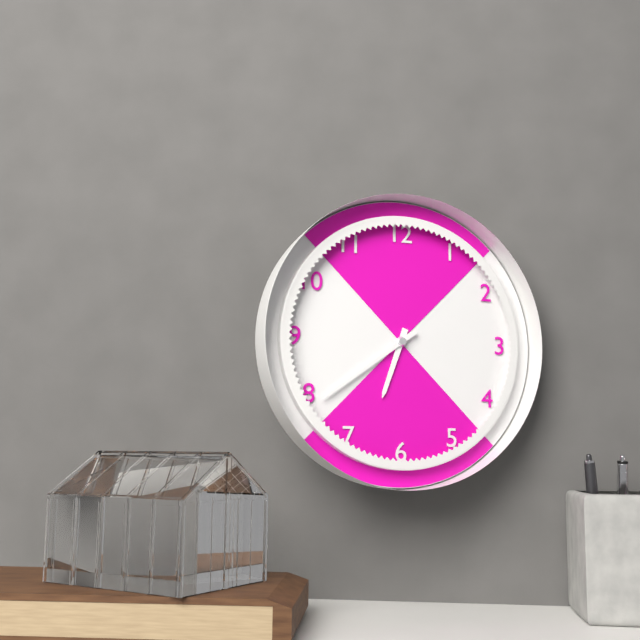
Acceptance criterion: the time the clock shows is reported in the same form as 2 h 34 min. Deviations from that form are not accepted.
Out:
6 h 39 min
